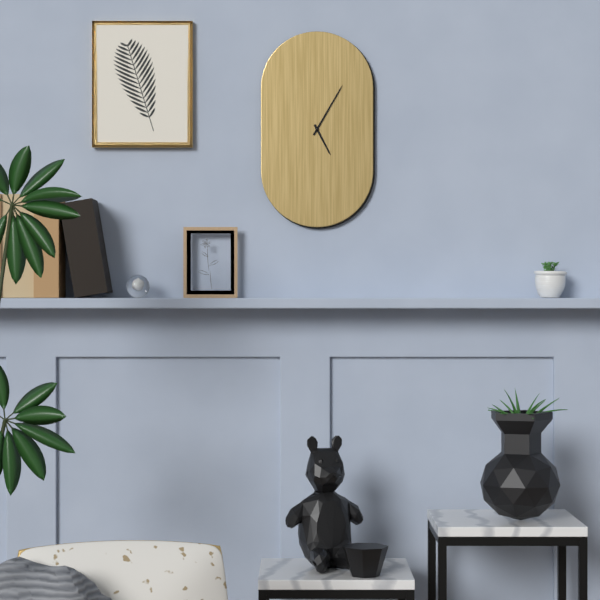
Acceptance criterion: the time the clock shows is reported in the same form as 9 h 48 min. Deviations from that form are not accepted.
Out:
5 h 05 min
